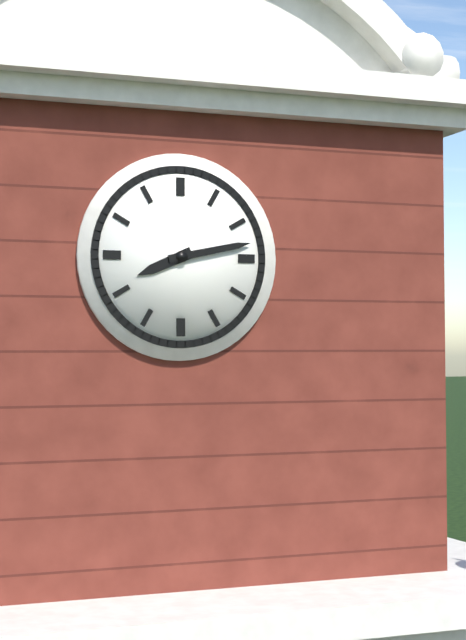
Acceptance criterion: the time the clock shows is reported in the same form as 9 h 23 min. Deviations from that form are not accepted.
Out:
8 h 13 min
